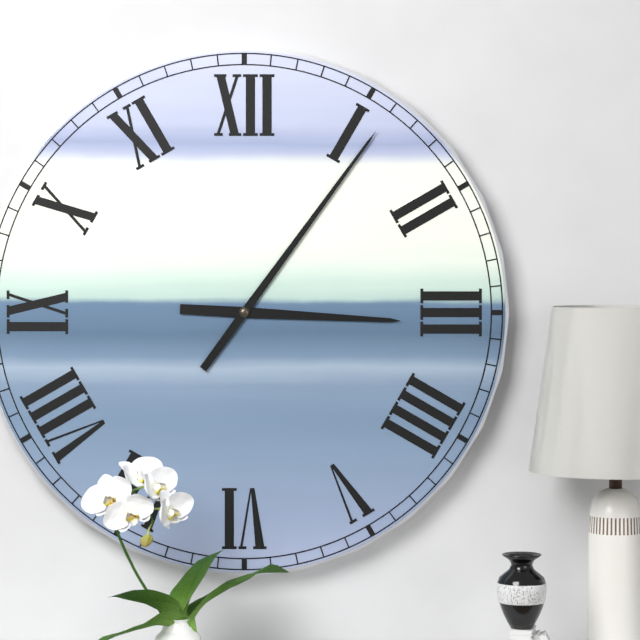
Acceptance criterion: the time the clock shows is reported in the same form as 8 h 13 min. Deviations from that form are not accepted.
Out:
3 h 06 min
